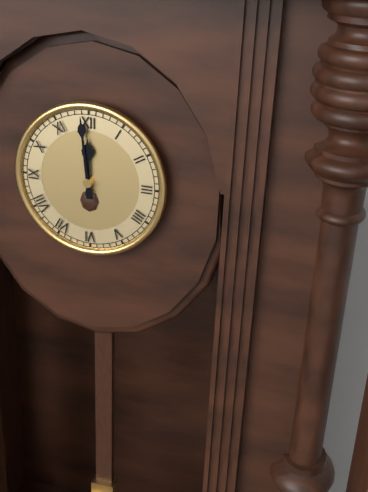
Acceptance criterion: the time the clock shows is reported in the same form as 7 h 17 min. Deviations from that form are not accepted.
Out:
11 h 59 min
